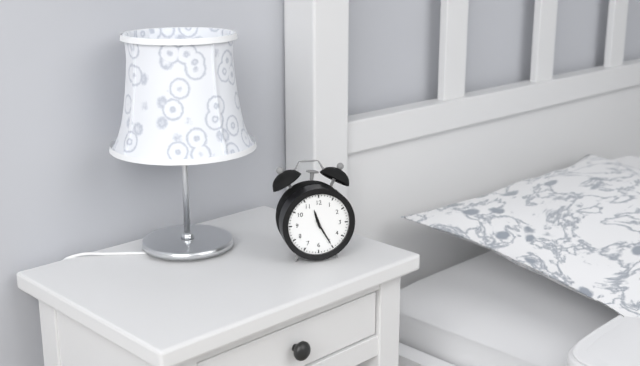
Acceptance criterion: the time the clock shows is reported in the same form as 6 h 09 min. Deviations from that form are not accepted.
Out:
11 h 25 min
